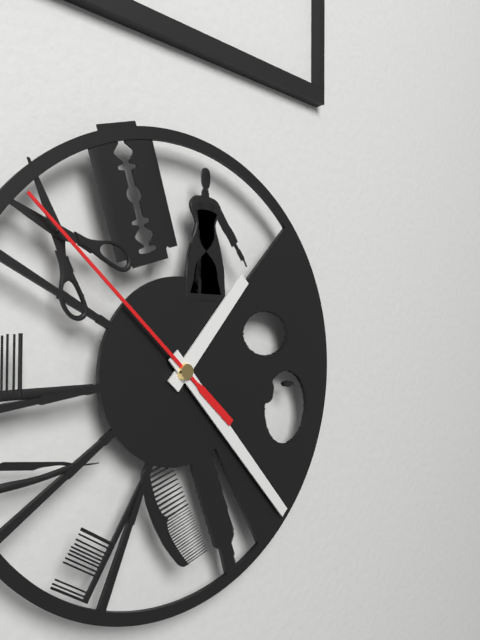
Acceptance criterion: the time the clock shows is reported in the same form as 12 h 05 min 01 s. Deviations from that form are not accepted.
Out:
1 h 23 min 52 s
